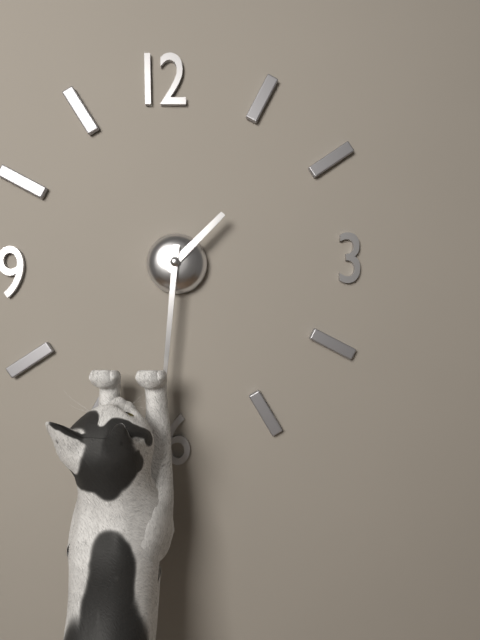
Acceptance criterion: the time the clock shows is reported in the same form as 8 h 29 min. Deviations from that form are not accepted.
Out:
1 h 31 min
